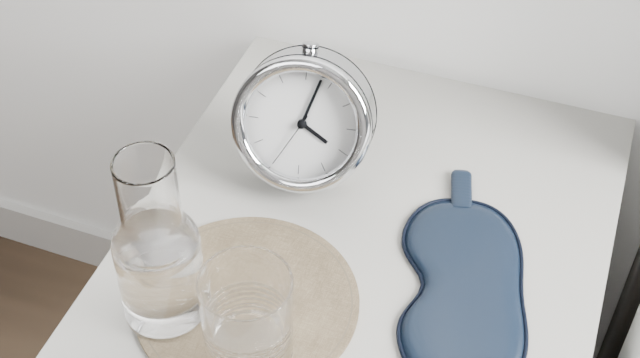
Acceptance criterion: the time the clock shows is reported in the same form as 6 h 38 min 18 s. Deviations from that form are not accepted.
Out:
4 h 03 min 35 s
